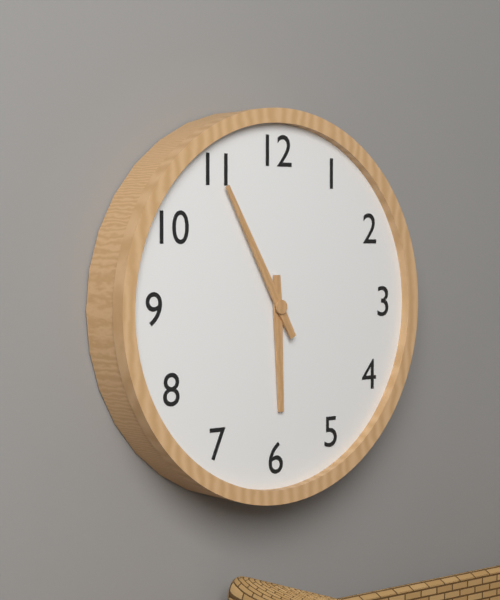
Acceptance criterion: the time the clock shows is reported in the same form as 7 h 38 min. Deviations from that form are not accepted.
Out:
5 h 55 min
